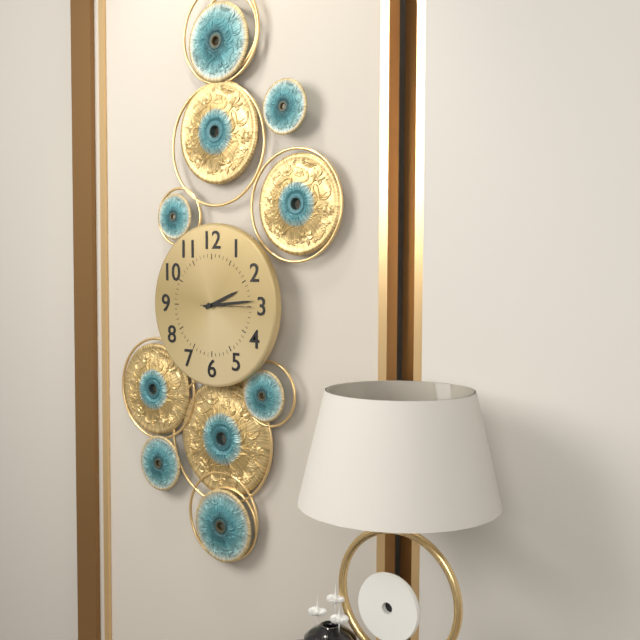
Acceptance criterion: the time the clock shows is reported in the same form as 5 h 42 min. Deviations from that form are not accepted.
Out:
2 h 14 min
